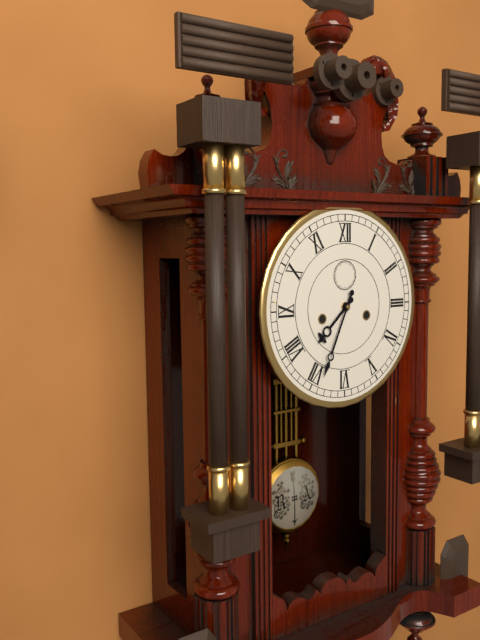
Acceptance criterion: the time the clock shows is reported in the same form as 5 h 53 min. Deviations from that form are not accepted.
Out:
7 h 34 min
